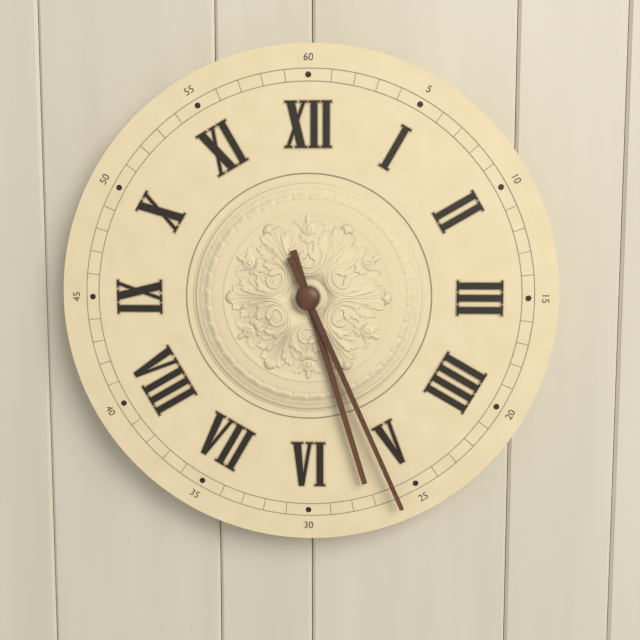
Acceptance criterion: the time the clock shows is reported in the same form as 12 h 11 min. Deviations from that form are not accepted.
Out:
5 h 26 min
